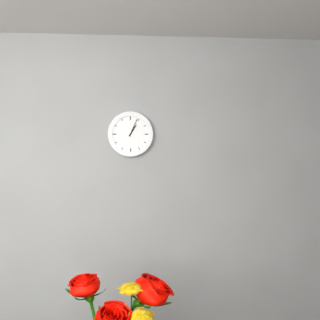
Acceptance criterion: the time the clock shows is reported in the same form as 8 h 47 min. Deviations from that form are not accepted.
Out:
1 h 04 min
